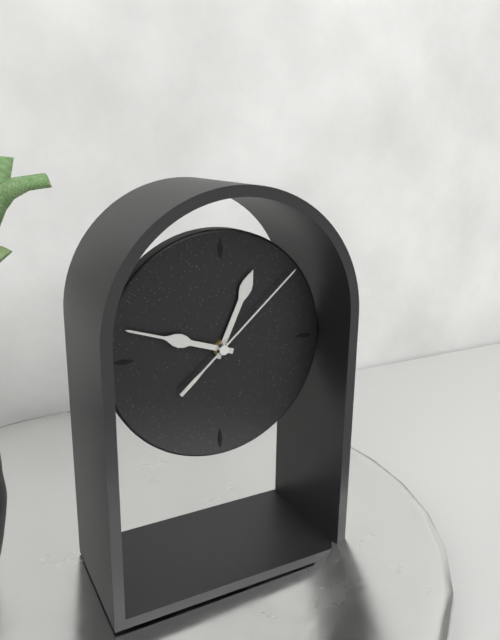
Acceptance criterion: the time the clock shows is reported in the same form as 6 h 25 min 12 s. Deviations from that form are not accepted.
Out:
12 h 48 min 08 s
